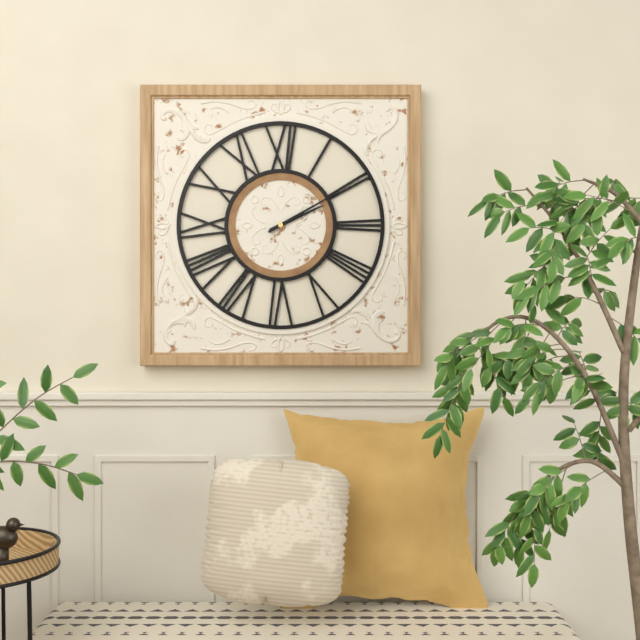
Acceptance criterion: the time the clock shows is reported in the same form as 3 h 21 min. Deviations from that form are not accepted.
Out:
2 h 10 min
